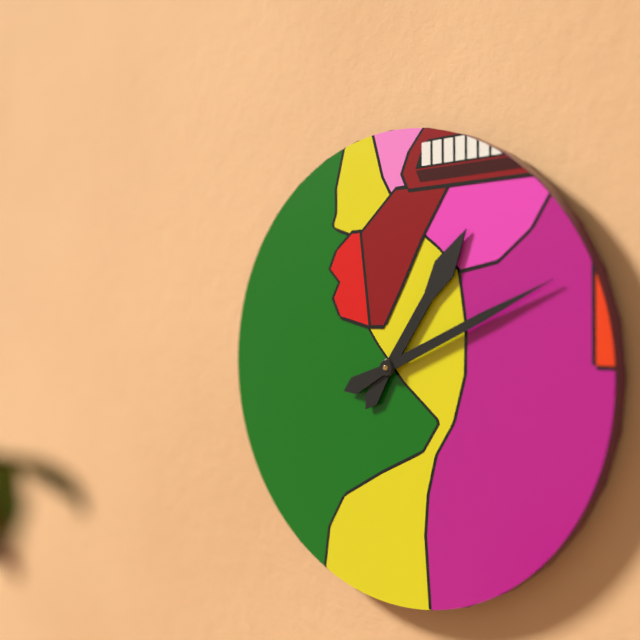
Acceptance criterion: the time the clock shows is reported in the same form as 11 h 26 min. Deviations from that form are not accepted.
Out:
1 h 11 min
